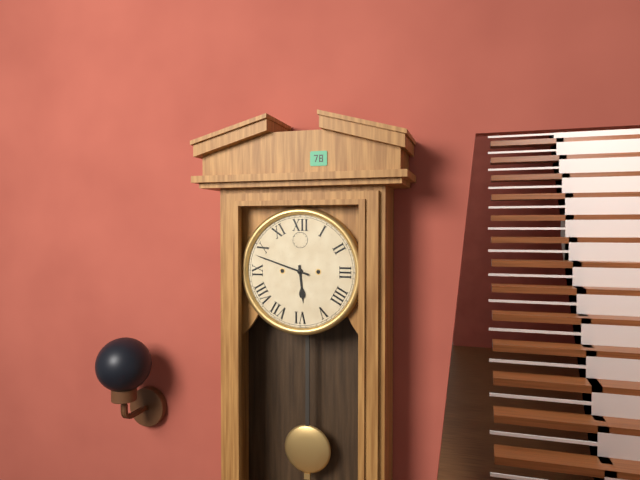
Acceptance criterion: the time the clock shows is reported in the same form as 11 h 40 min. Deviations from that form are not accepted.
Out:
5 h 48 min
